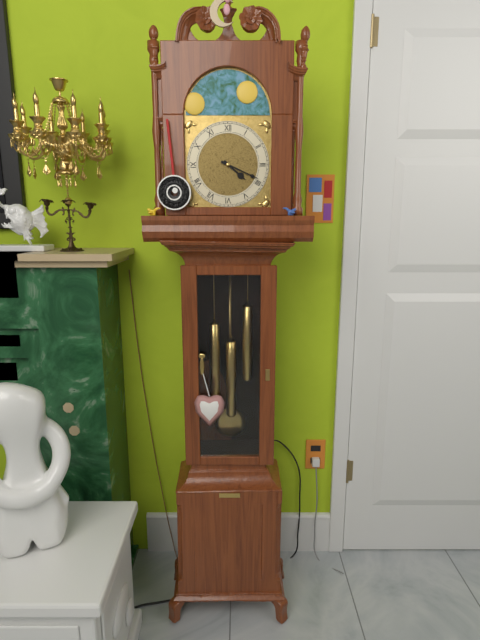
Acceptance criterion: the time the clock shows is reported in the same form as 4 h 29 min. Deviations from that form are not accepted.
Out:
4 h 19 min
